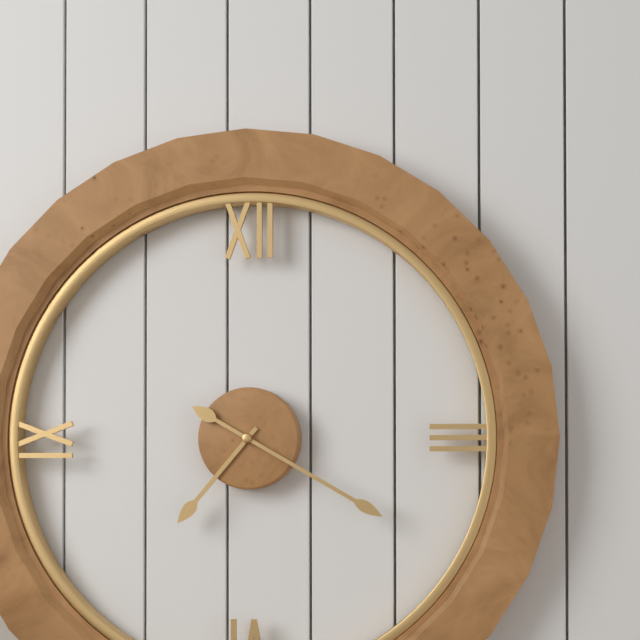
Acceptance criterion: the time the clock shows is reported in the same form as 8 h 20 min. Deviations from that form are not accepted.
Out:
7 h 20 min
